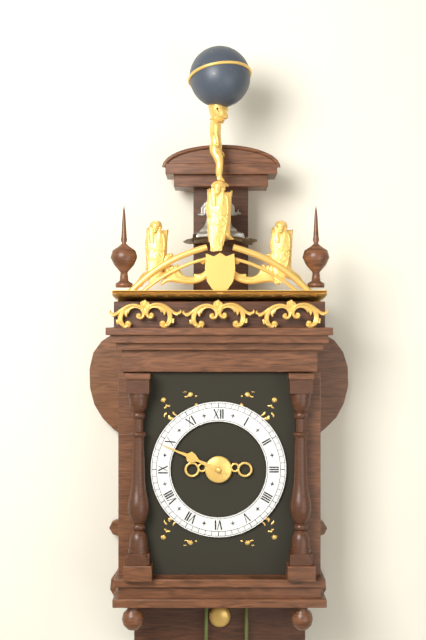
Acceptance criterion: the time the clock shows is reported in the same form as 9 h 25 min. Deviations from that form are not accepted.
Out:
9 h 49 min
